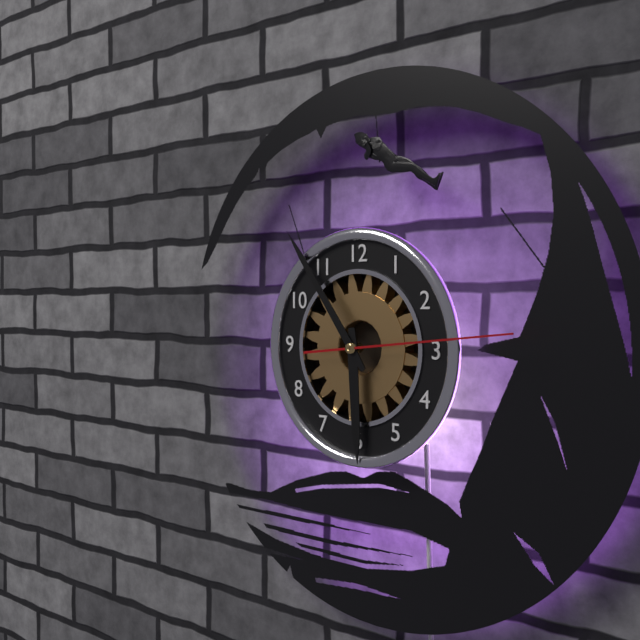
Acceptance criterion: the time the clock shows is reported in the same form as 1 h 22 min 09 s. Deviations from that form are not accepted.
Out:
5 h 54 min 14 s
